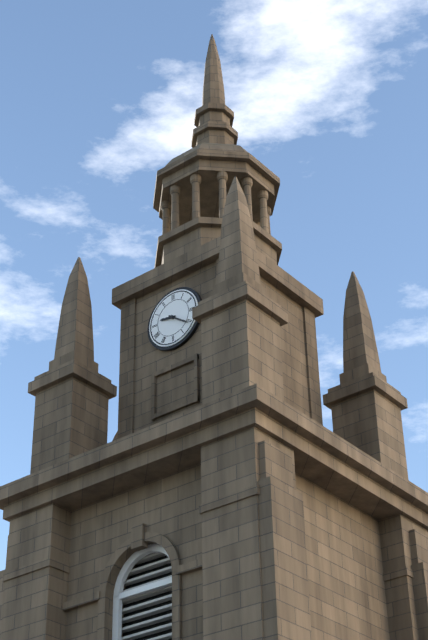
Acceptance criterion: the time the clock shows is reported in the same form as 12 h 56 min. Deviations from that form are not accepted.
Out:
9 h 21 min
